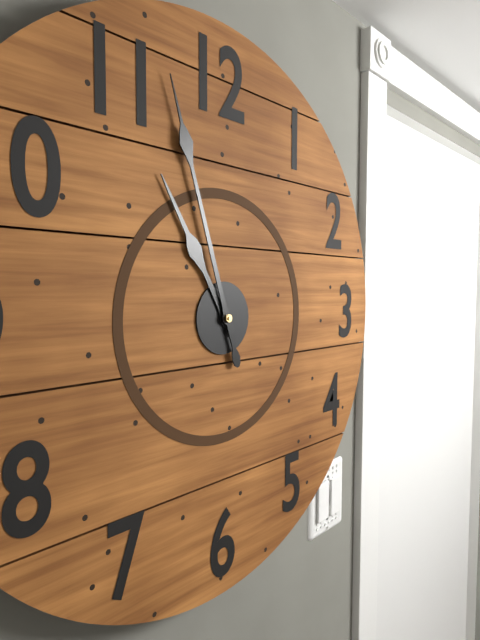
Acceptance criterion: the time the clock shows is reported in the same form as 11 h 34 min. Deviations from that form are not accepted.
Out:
10 h 57 min
